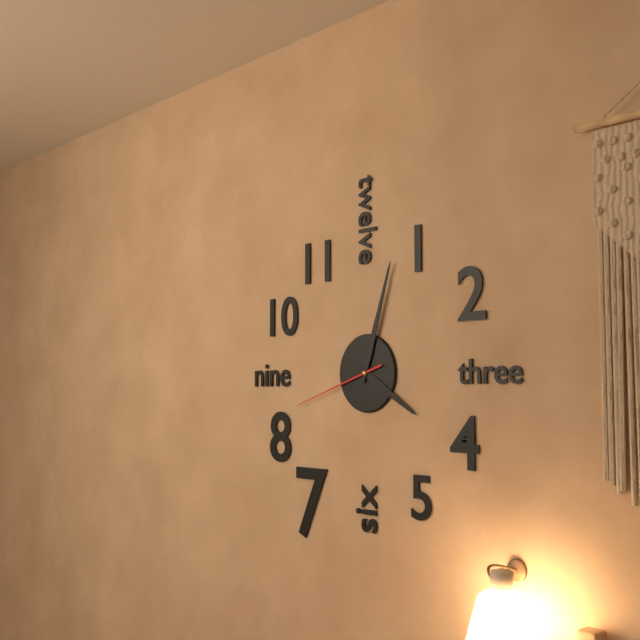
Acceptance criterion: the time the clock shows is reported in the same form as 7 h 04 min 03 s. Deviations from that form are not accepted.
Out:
4 h 03 min 42 s
